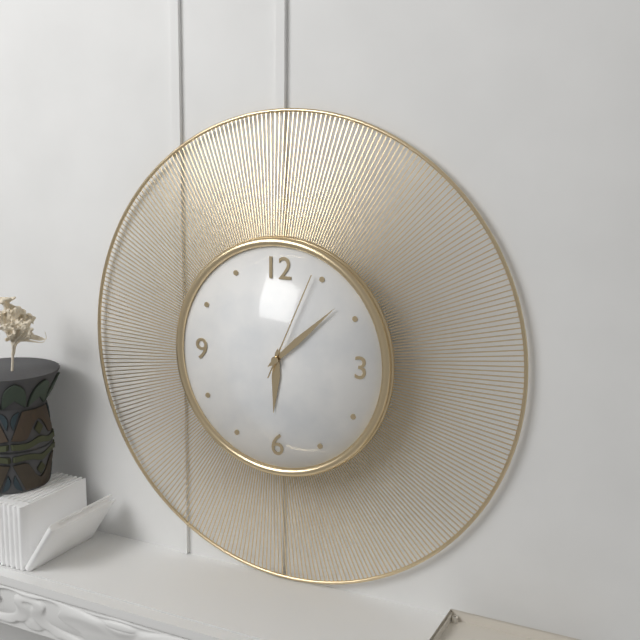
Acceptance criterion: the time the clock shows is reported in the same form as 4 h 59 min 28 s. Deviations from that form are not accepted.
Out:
6 h 08 min 04 s
